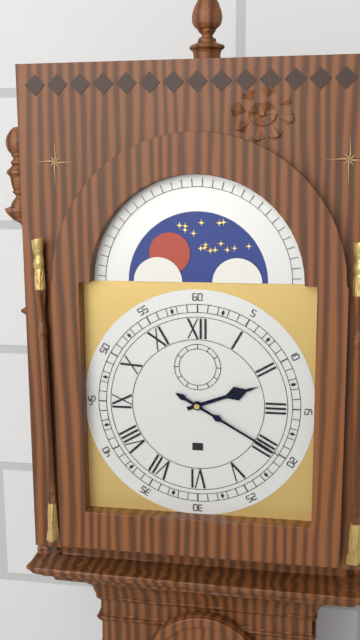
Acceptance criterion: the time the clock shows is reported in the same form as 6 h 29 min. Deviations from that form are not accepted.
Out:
2 h 20 min
